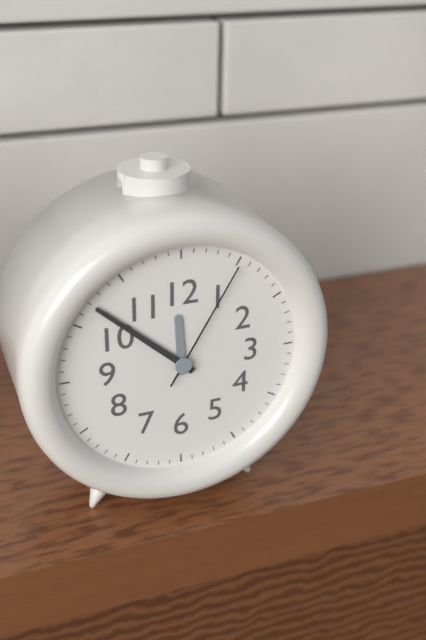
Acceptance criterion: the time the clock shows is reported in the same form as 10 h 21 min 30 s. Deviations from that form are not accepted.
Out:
11 h 52 min 05 s
